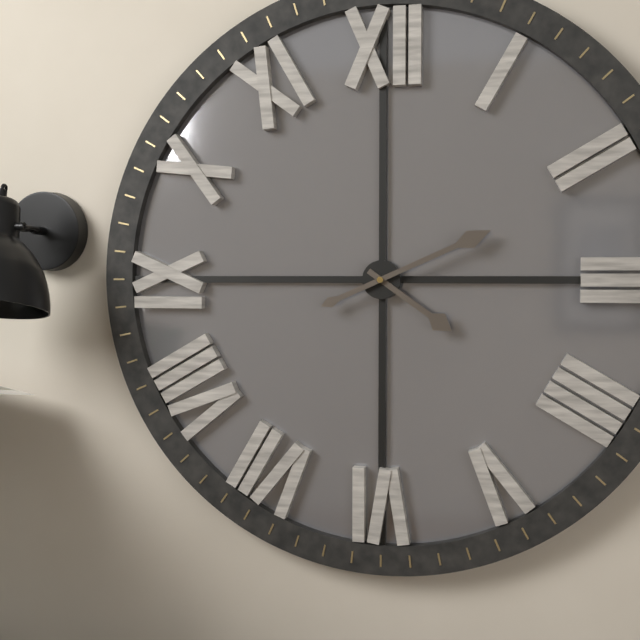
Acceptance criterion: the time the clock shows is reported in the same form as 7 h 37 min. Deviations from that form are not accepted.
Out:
4 h 11 min
